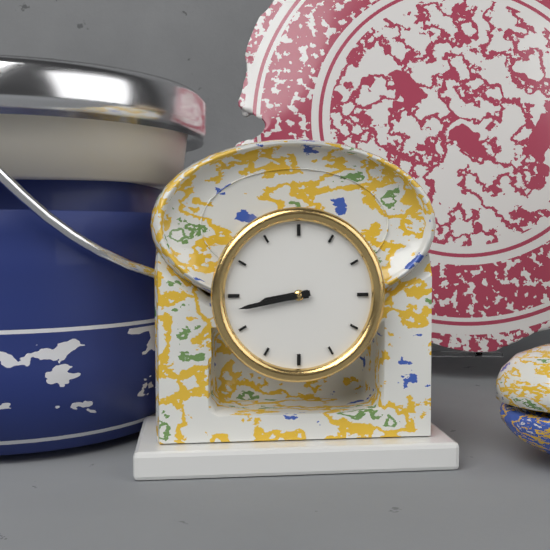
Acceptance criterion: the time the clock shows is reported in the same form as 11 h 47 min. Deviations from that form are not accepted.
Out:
8 h 43 min
